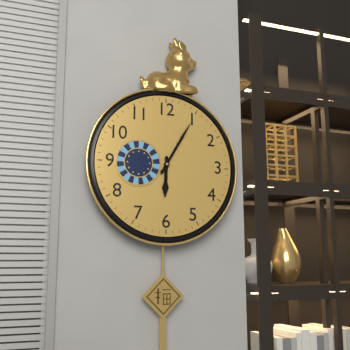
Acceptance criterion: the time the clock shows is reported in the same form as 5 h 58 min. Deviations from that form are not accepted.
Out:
6 h 05 min
